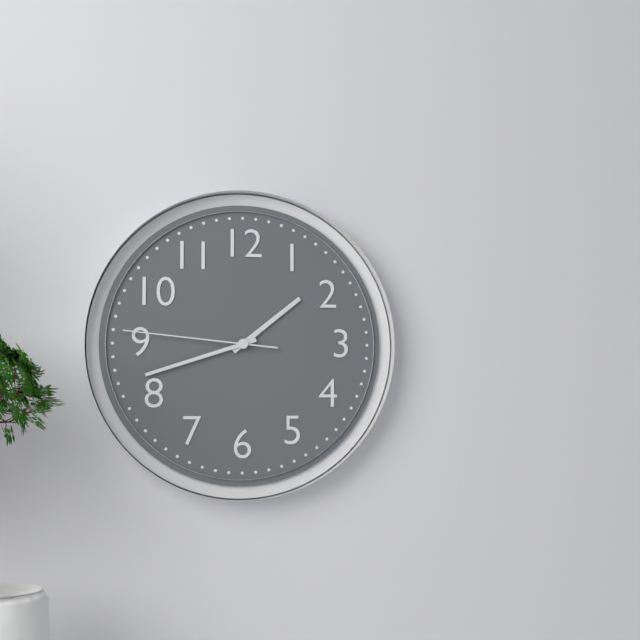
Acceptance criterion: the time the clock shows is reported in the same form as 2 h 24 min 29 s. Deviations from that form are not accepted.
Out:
1 h 42 min 46 s
